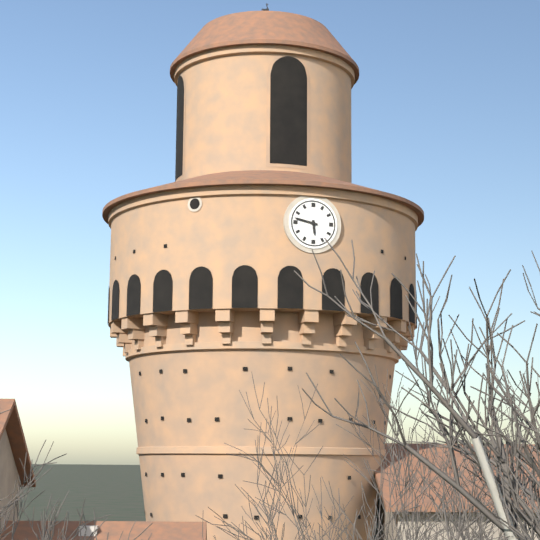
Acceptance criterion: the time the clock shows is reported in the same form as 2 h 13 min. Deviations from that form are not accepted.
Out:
5 h 47 min
